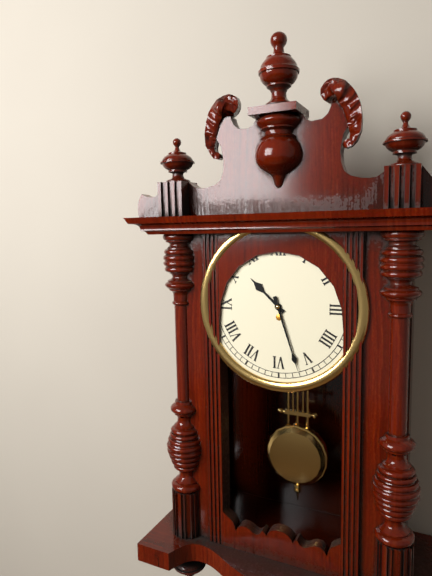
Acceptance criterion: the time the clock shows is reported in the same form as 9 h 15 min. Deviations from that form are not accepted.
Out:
10 h 27 min
